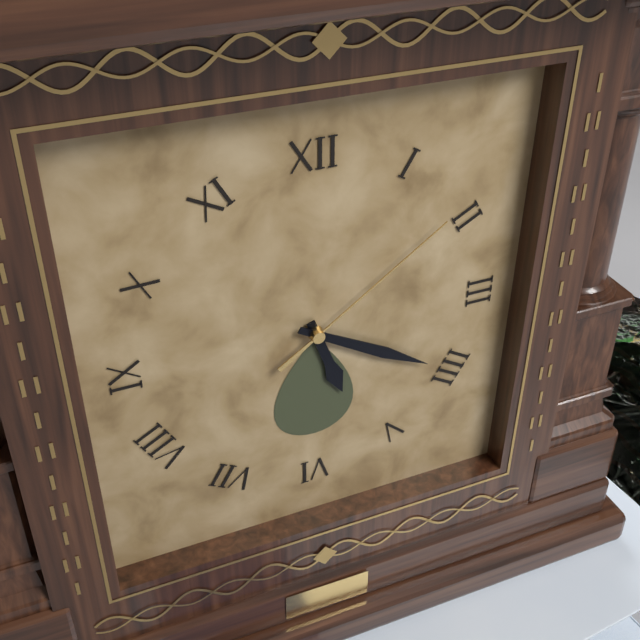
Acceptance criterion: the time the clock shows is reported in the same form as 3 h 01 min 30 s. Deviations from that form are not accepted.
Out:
5 h 20 min 09 s
